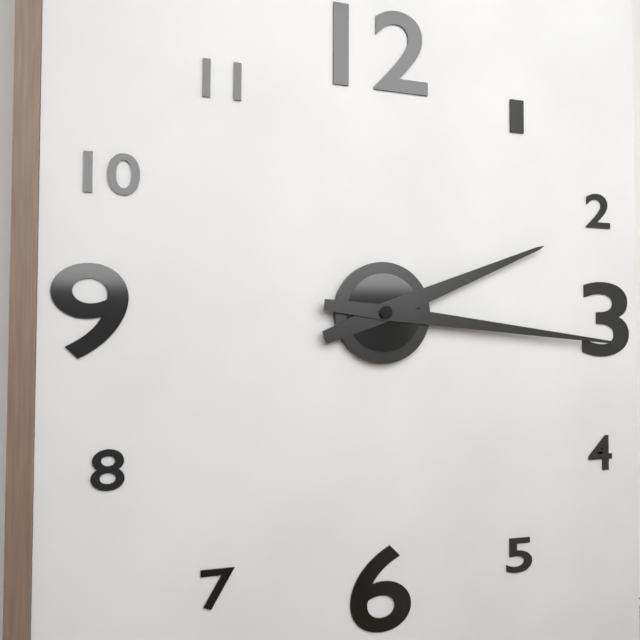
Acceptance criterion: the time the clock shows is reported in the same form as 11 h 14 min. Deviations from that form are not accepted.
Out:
2 h 16 min
